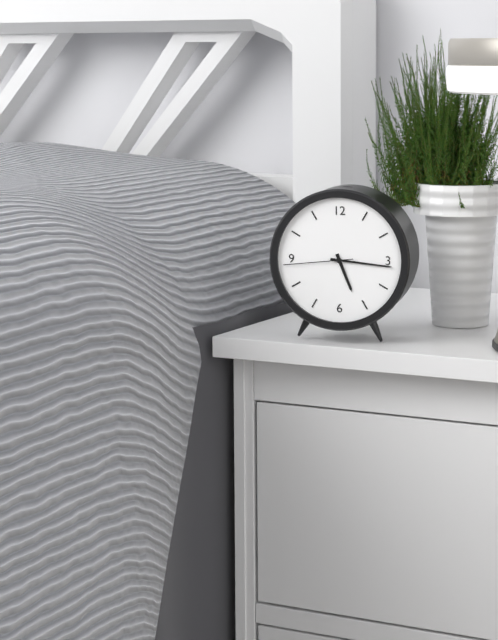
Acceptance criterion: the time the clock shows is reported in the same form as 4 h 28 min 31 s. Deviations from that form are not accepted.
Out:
5 h 16 min 44 s
